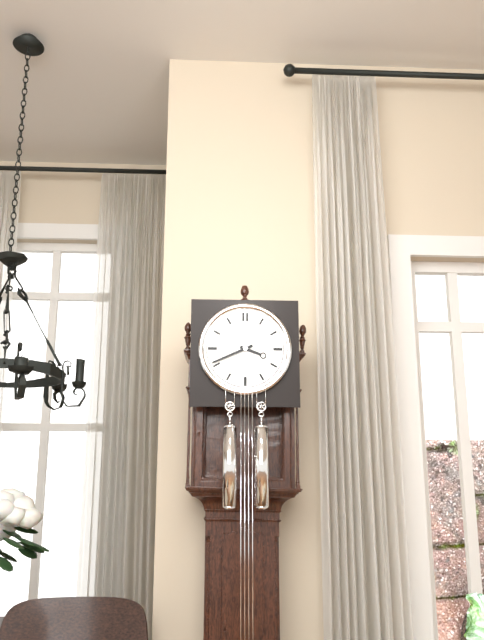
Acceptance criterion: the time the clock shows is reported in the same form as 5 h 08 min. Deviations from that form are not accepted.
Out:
3 h 41 min
